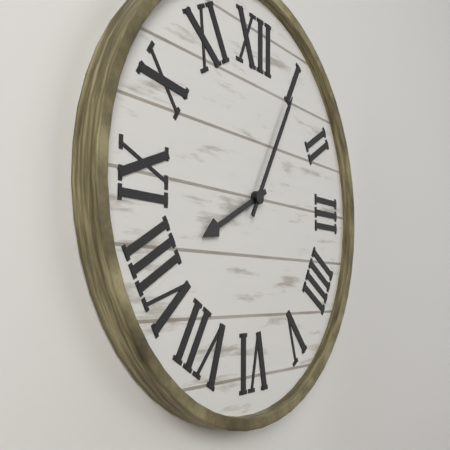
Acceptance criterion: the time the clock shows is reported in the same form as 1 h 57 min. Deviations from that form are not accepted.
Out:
8 h 05 min
